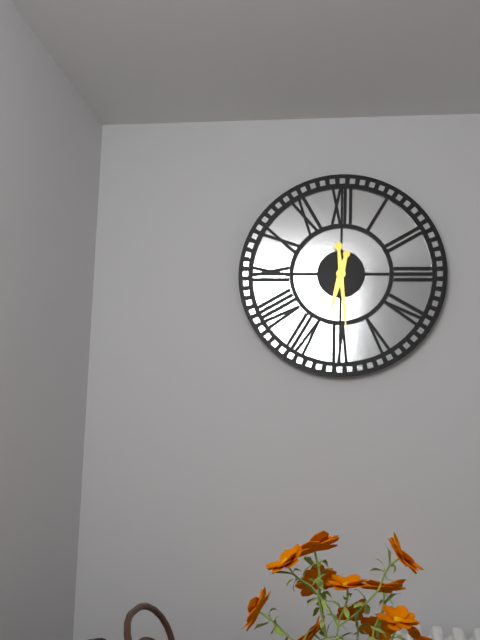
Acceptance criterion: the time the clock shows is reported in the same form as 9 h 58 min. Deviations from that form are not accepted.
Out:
6 h 29 min
